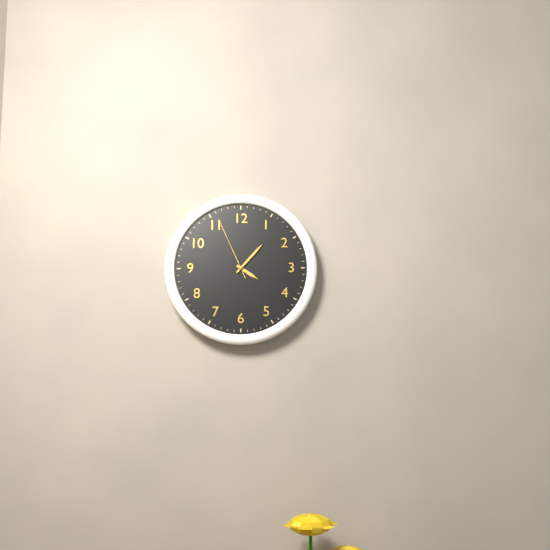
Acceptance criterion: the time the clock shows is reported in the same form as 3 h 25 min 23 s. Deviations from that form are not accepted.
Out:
4 h 07 min 56 s
